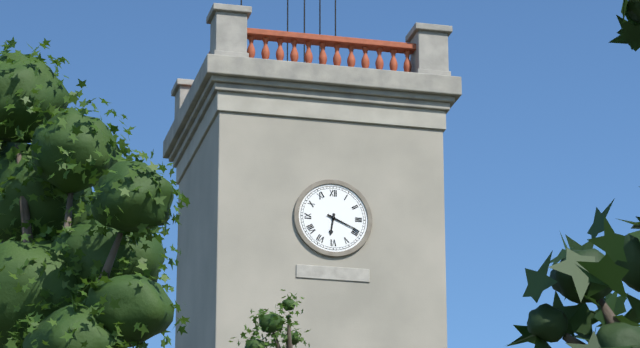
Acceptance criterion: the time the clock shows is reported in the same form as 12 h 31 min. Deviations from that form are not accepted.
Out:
6 h 19 min
